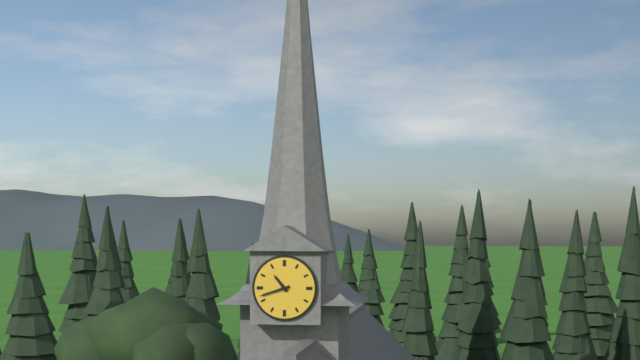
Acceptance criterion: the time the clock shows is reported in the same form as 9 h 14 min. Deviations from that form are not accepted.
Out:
10 h 42 min
